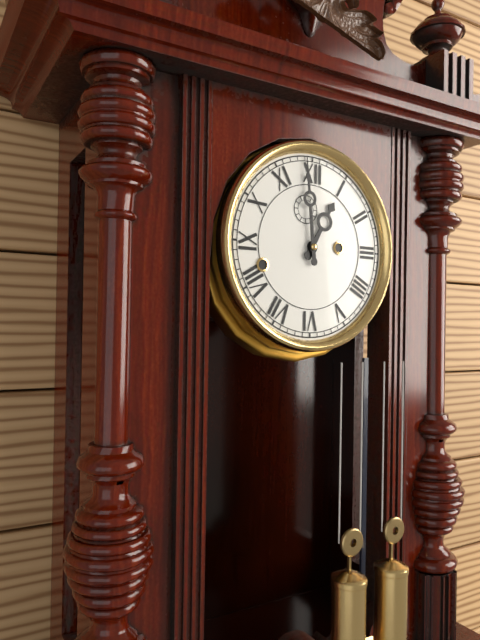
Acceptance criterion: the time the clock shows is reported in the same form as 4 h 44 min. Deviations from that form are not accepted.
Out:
12 h 59 min
